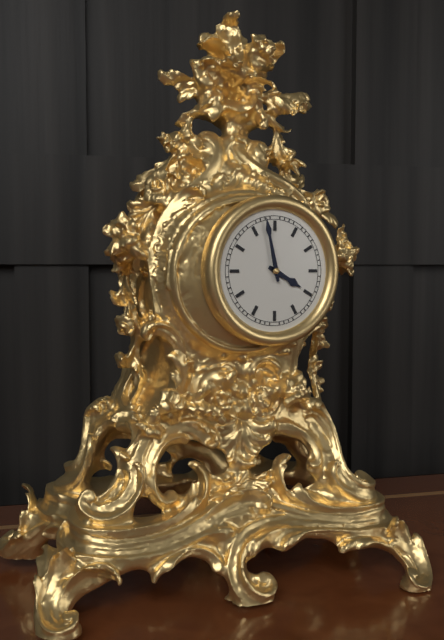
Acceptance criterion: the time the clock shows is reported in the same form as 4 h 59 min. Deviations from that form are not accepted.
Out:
3 h 58 min
